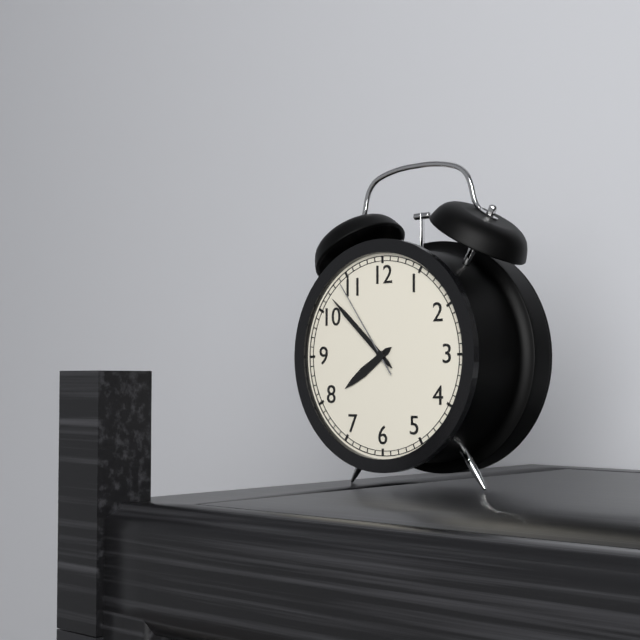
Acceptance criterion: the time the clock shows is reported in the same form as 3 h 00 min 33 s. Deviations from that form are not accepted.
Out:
7 h 52 min 54 s
